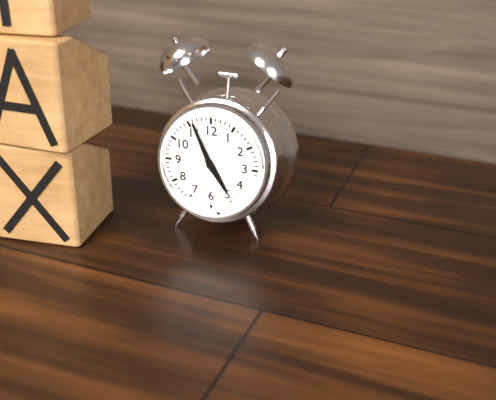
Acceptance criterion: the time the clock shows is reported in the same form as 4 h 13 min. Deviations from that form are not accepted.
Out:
4 h 56 min
